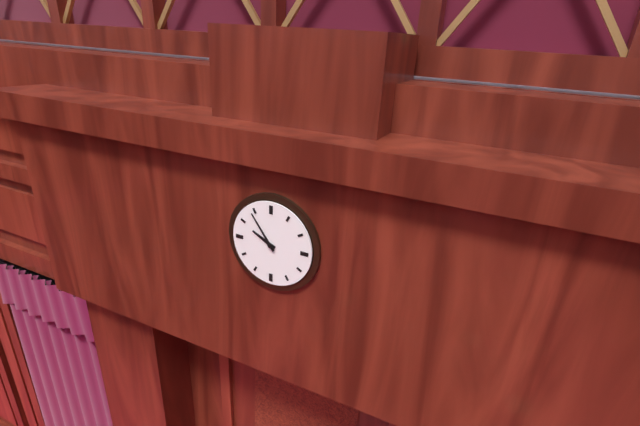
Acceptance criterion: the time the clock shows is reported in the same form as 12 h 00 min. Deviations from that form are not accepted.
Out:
9 h 54 min
